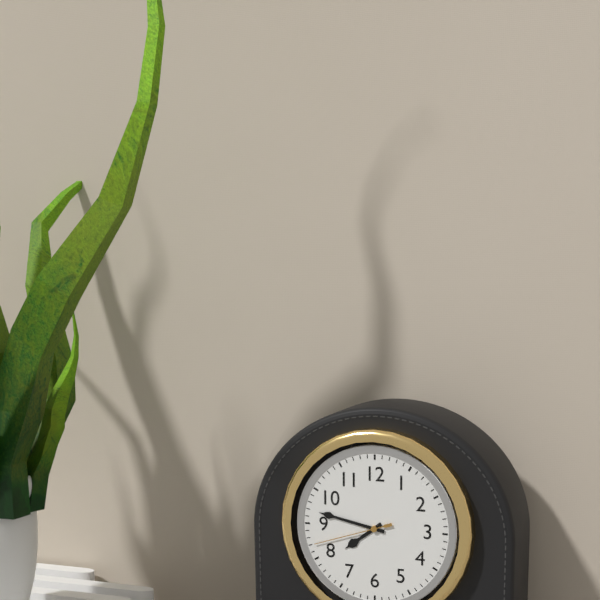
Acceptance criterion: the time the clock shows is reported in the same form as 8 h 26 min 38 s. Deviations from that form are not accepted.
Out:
7 h 47 min 42 s
